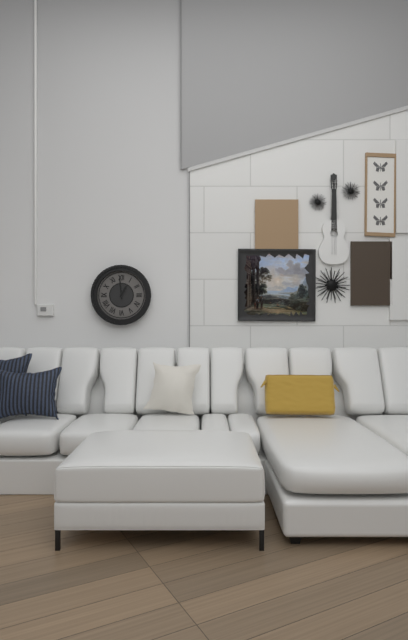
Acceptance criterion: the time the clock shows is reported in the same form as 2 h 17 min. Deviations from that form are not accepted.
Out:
12 h 59 min
